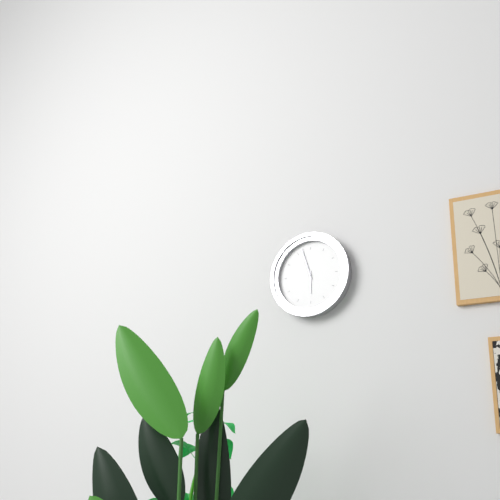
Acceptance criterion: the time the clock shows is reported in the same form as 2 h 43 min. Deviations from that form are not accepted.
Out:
5 h 57 min
